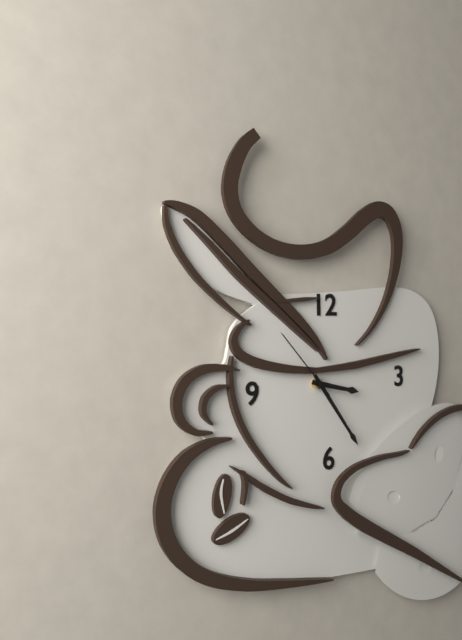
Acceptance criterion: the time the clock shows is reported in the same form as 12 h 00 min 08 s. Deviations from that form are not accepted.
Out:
3 h 24 min 53 s
